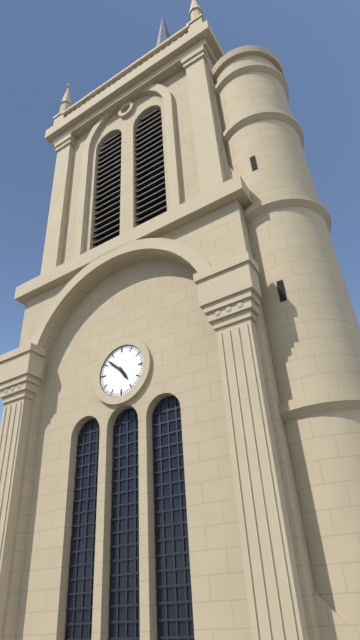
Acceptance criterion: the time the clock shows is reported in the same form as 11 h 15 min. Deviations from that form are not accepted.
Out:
4 h 52 min
